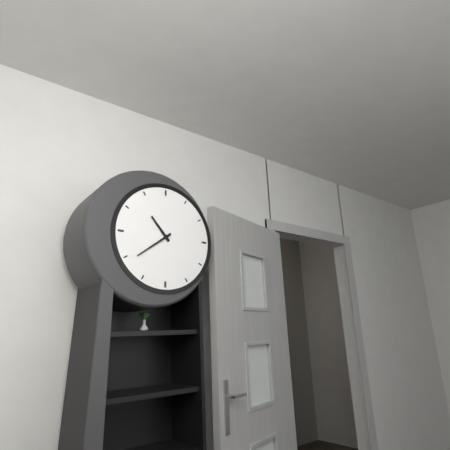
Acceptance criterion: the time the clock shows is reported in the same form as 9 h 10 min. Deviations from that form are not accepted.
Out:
10 h 39 min
